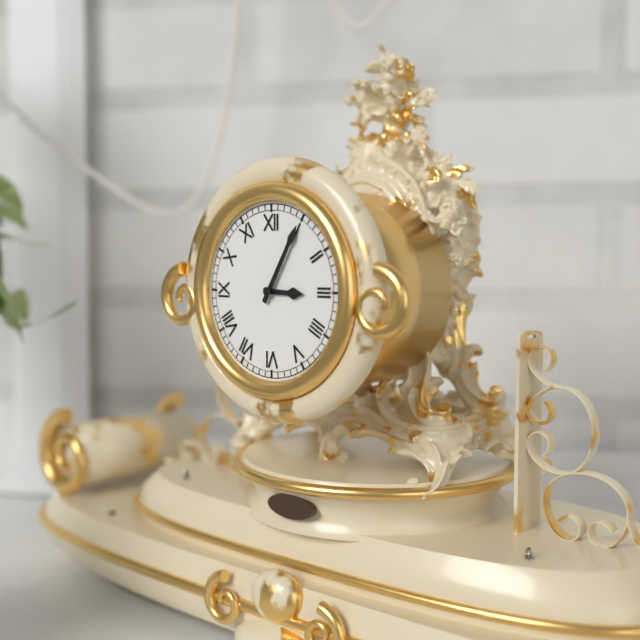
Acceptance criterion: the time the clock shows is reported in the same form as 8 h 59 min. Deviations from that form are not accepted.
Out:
3 h 05 min
